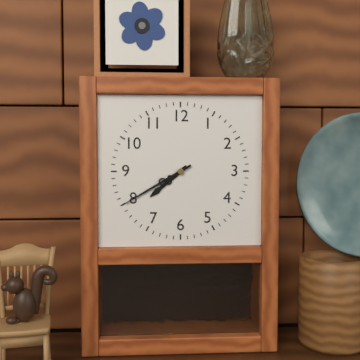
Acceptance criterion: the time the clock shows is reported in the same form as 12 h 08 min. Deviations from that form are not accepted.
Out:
7 h 40 min
